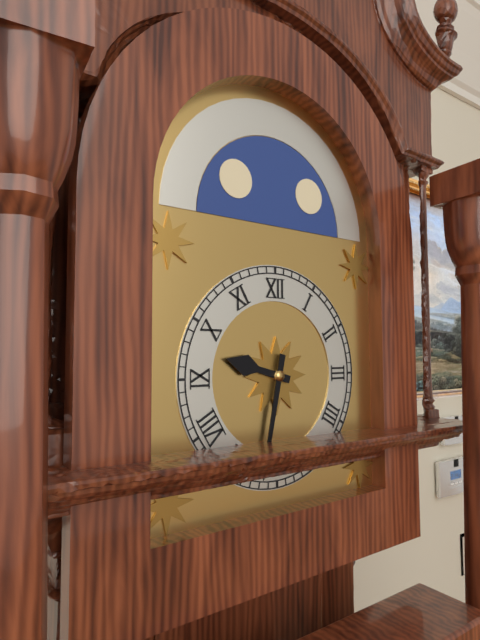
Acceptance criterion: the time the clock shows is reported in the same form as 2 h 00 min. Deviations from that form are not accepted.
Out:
9 h 32 min
